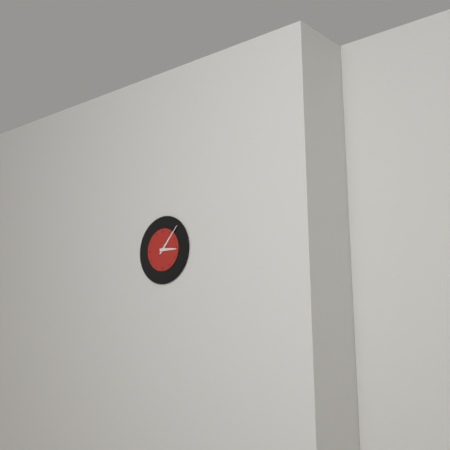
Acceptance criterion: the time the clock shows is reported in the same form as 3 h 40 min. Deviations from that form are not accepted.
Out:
3 h 07 min
